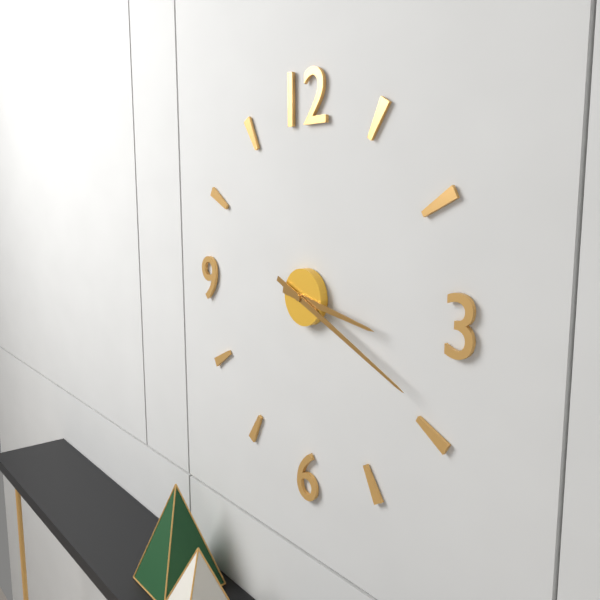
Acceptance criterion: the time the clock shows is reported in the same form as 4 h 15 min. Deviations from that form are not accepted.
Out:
3 h 19 min
